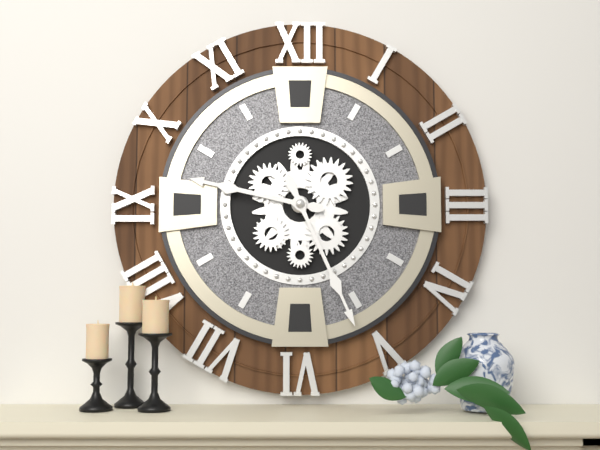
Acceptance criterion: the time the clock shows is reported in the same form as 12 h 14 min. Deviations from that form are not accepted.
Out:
9 h 26 min
